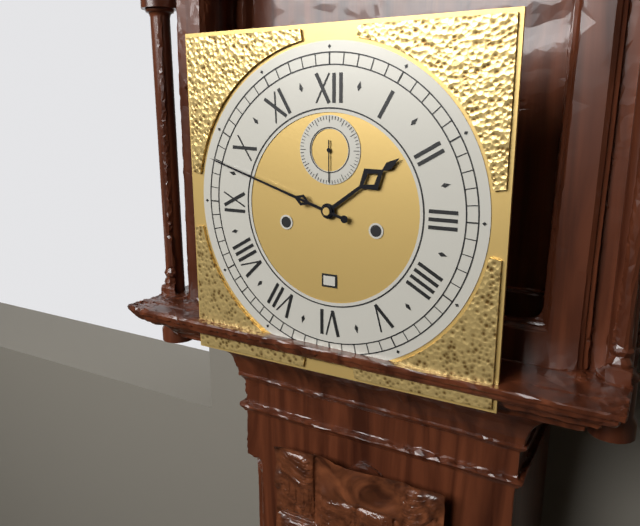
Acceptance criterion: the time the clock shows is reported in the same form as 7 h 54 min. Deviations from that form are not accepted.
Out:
1 h 48 min
